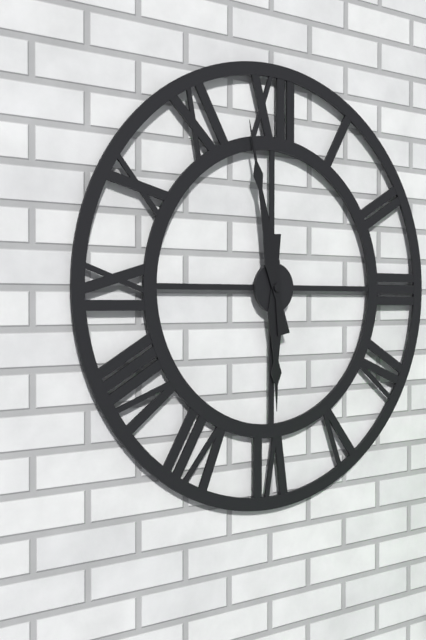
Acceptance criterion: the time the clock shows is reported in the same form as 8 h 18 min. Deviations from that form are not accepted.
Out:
5 h 58 min
